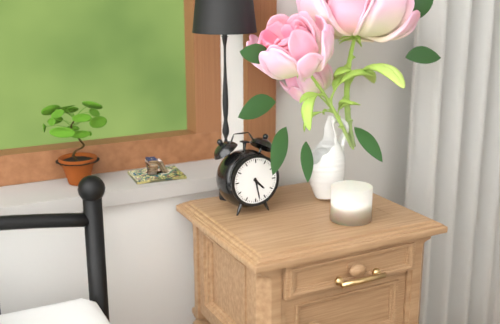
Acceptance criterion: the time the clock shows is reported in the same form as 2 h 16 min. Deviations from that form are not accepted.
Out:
4 h 28 min
